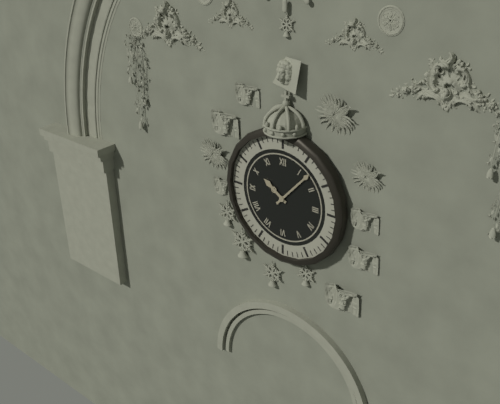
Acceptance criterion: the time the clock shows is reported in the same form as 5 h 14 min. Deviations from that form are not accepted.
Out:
10 h 07 min
